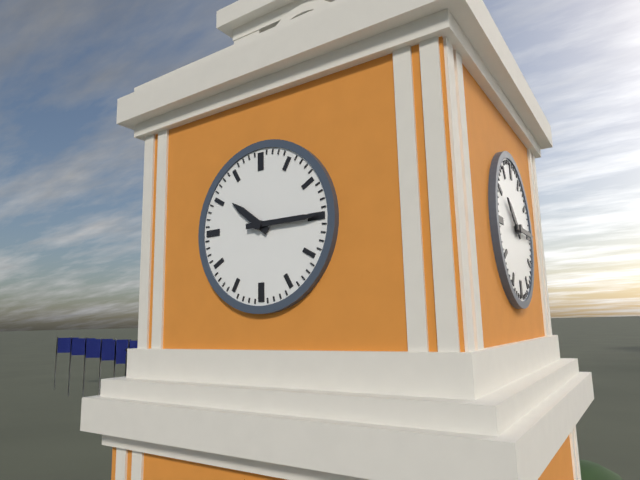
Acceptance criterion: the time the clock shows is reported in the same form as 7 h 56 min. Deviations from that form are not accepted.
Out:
10 h 15 min
